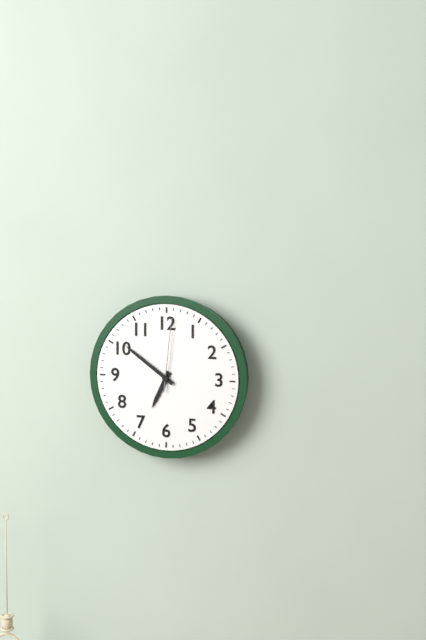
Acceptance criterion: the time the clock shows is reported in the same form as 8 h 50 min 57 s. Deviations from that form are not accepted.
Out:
6 h 51 min 01 s
